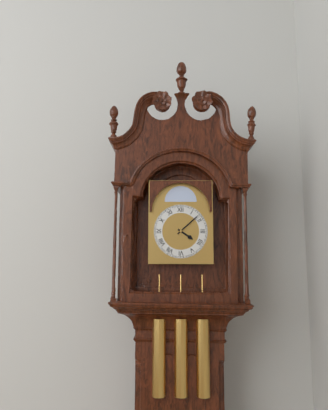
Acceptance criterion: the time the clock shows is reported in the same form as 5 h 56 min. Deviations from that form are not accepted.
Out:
4 h 08 min
